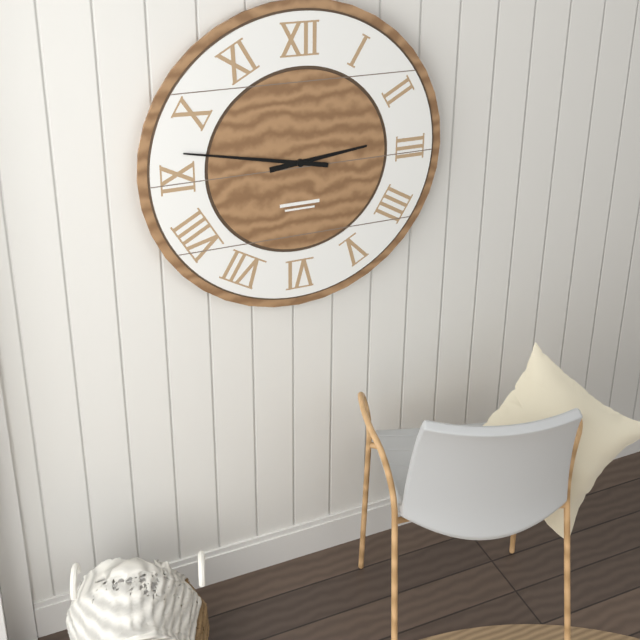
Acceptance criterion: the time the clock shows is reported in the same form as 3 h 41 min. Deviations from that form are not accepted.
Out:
2 h 47 min
